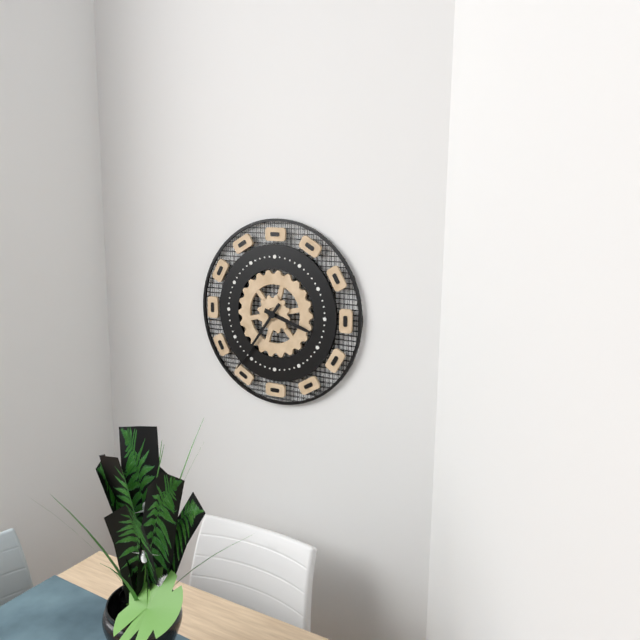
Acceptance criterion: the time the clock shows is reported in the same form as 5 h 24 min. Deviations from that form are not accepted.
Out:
3 h 36 min
